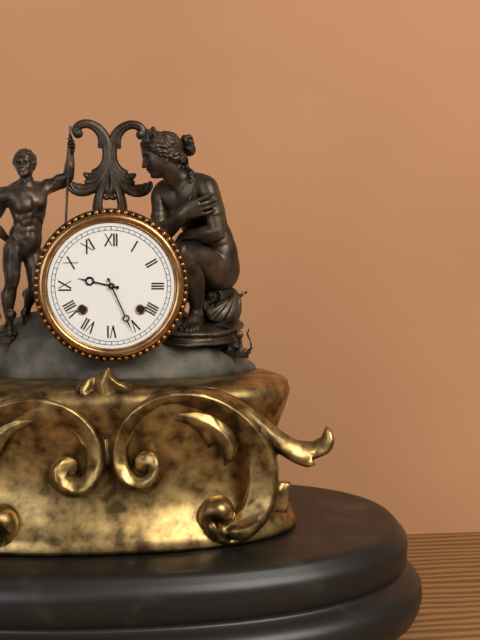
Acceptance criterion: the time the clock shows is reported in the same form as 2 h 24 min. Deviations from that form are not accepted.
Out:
9 h 26 min
